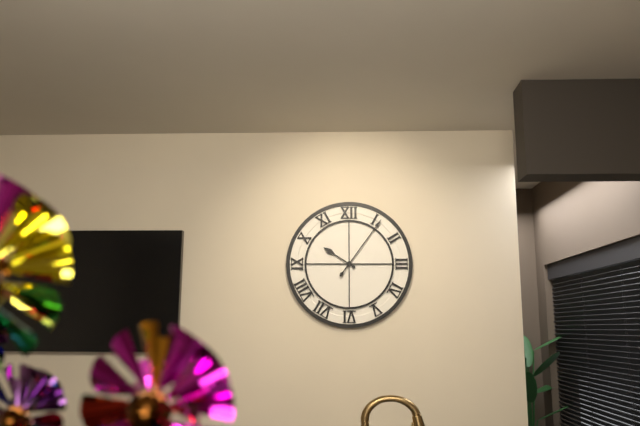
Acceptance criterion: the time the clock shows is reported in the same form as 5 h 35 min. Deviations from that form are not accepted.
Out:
10 h 06 min
